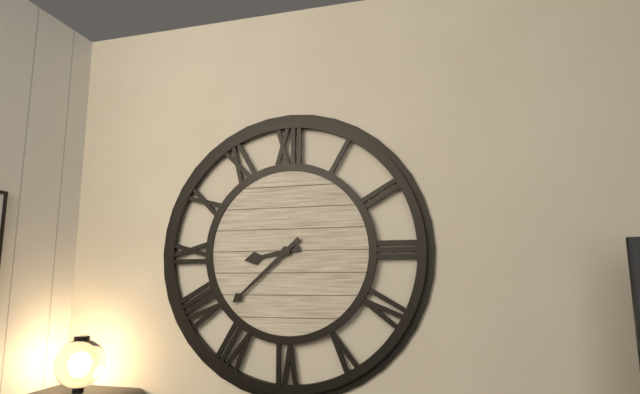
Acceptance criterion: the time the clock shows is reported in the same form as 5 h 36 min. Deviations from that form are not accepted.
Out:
8 h 38 min
